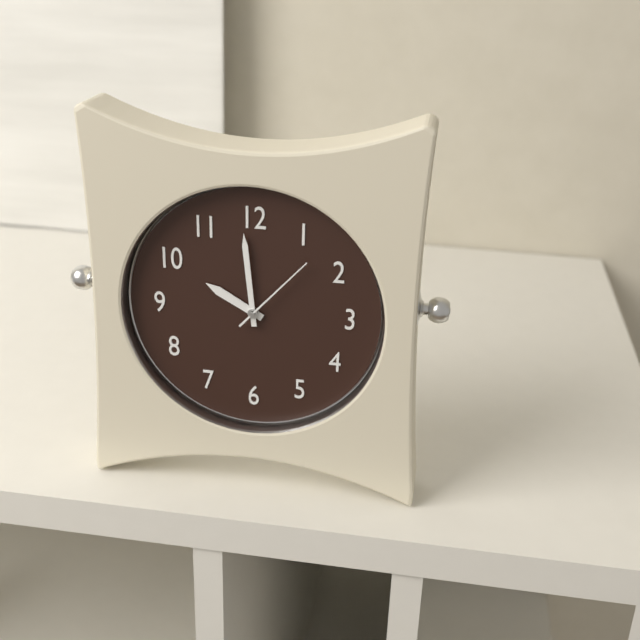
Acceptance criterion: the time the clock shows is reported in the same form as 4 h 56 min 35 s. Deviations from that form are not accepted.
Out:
9 h 59 min 07 s
